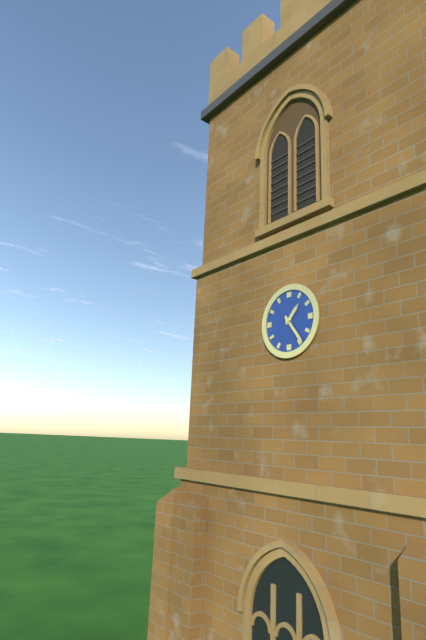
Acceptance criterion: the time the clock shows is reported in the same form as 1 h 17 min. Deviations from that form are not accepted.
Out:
1 h 24 min
